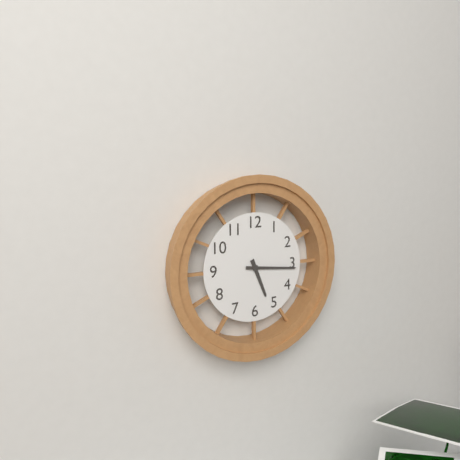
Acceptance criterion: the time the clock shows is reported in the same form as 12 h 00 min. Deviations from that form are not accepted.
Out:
5 h 16 min
